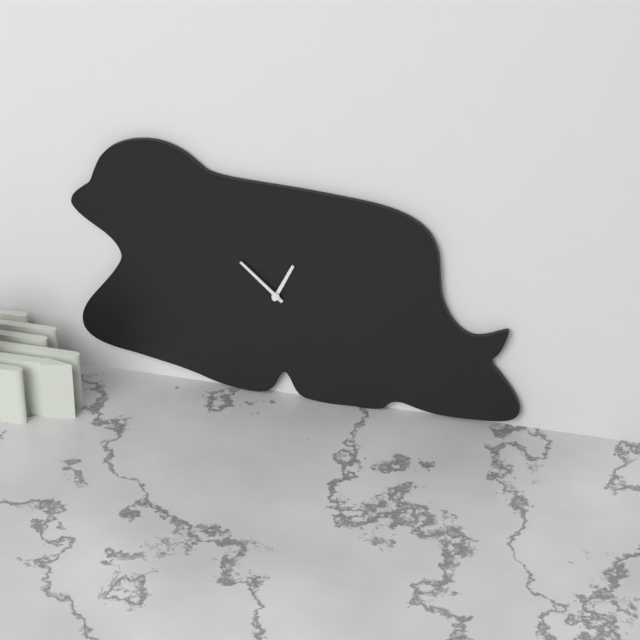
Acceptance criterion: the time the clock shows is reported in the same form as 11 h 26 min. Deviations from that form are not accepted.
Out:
12 h 52 min
